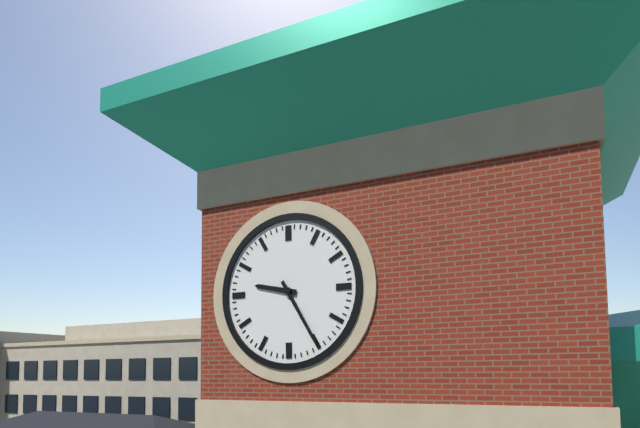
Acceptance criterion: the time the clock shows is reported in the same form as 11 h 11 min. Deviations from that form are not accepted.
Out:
9 h 25 min
